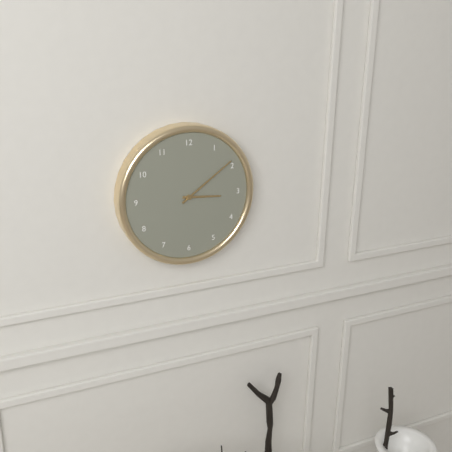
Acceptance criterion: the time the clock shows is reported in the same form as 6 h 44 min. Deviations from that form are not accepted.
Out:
3 h 09 min
